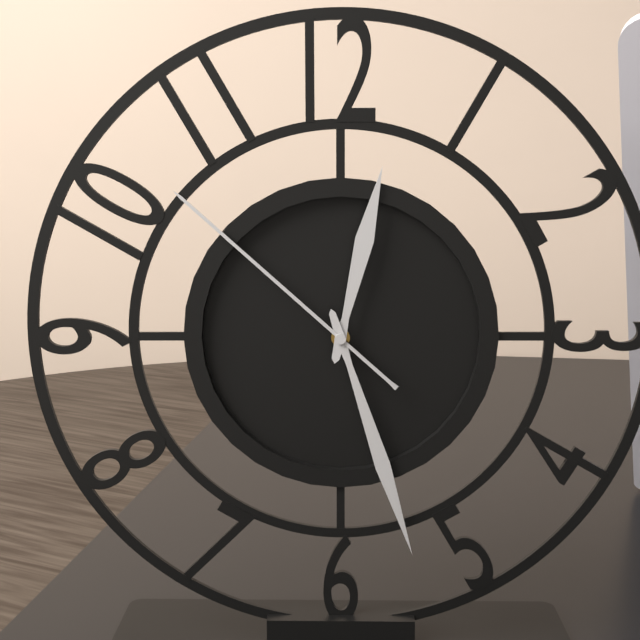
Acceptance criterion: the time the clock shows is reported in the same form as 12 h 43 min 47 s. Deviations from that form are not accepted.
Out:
12 h 27 min 52 s
